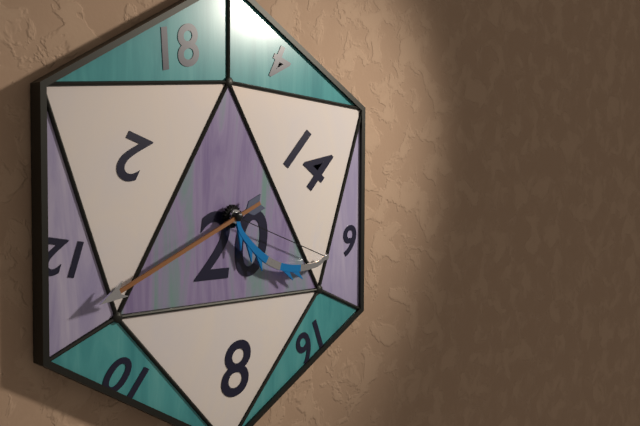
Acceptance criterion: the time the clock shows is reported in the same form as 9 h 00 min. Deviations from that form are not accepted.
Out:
3 h 41 min
